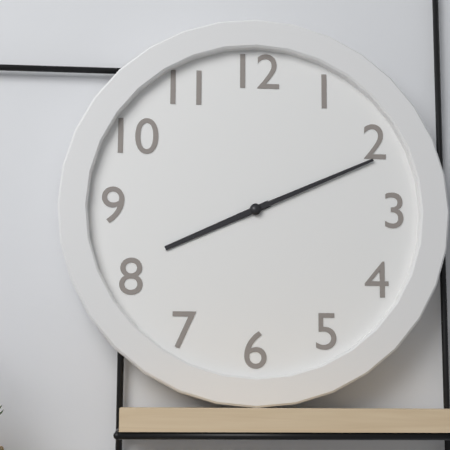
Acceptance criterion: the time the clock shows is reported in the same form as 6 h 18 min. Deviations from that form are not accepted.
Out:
8 h 11 min
